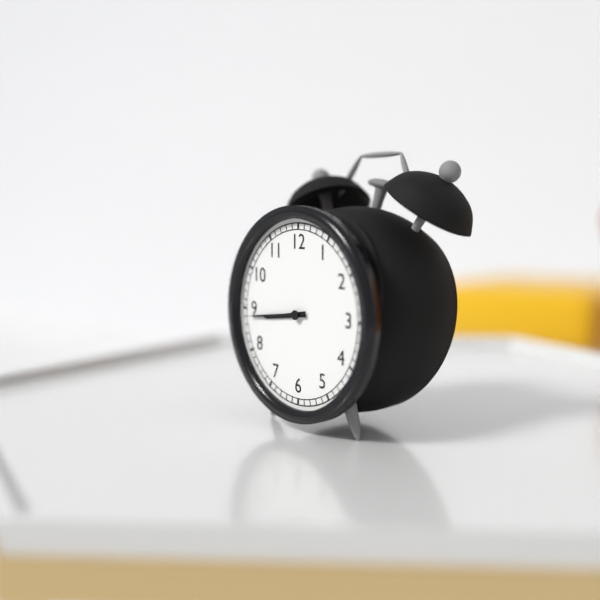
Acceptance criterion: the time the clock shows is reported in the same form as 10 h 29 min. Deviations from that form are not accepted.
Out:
8 h 44 min
